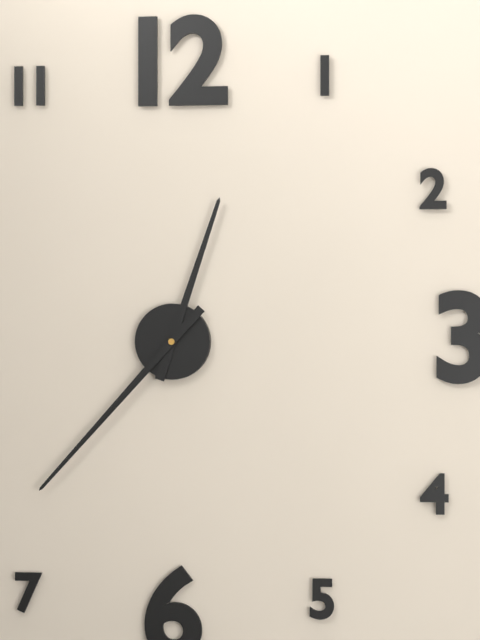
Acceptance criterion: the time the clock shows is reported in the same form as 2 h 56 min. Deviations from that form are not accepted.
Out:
12 h 37 min
